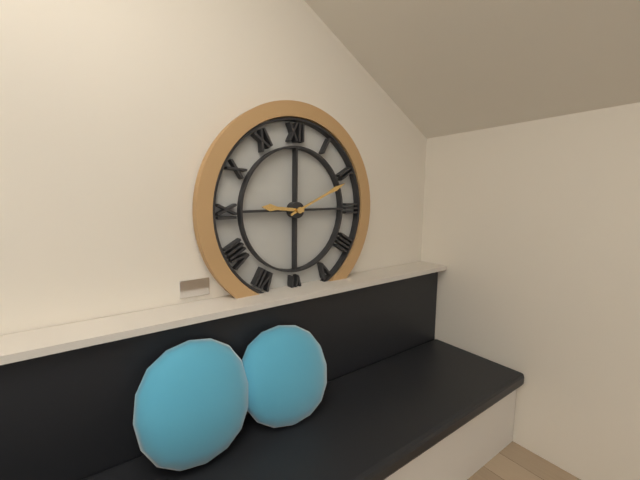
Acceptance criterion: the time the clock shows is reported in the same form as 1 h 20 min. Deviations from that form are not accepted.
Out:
9 h 11 min
